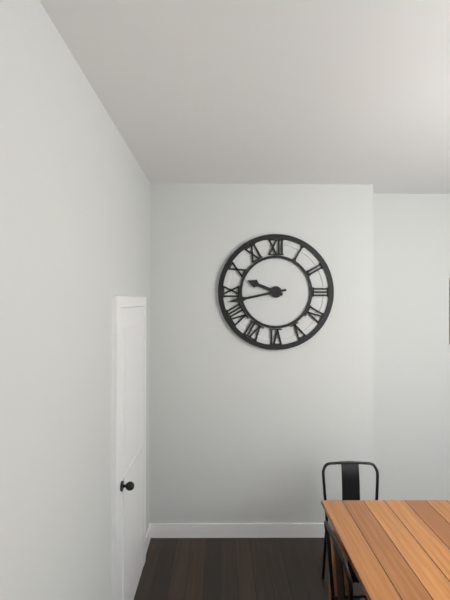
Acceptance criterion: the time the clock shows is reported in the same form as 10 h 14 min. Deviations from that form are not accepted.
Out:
9 h 43 min
